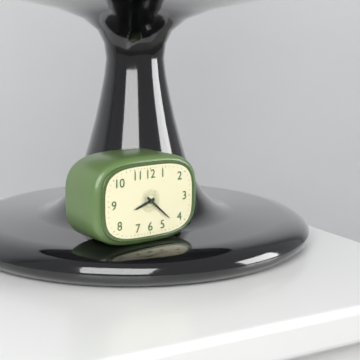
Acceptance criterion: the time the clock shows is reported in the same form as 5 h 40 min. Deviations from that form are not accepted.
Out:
8 h 22 min
